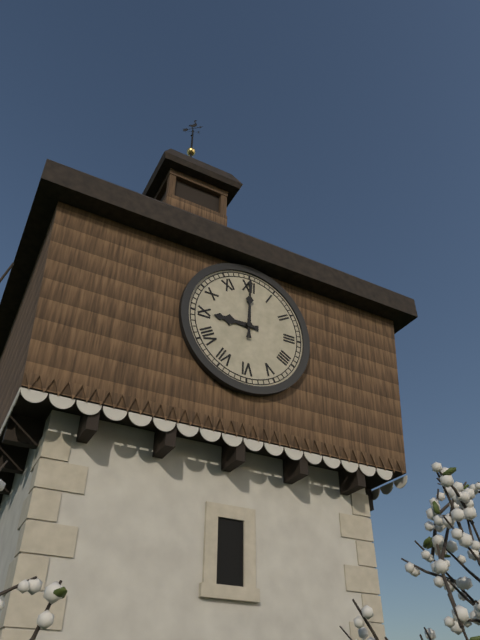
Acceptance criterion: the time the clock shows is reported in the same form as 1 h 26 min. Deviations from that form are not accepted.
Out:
9 h 00 min
